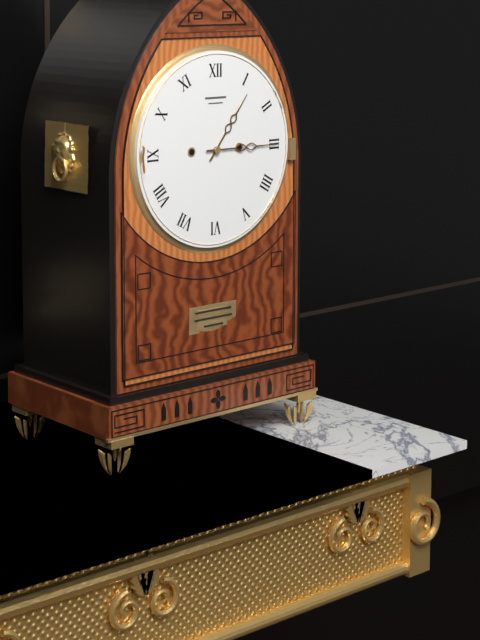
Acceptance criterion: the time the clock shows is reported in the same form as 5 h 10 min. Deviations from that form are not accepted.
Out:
1 h 15 min
